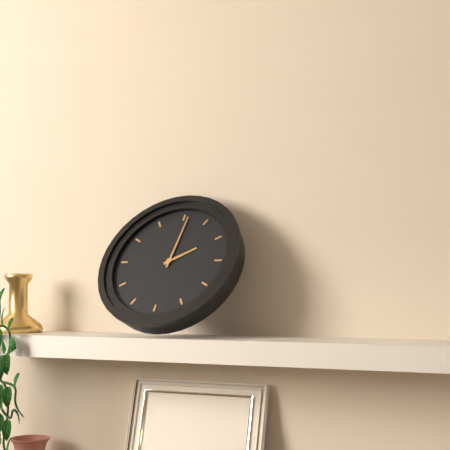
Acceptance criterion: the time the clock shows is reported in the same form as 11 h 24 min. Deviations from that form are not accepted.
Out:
2 h 01 min
